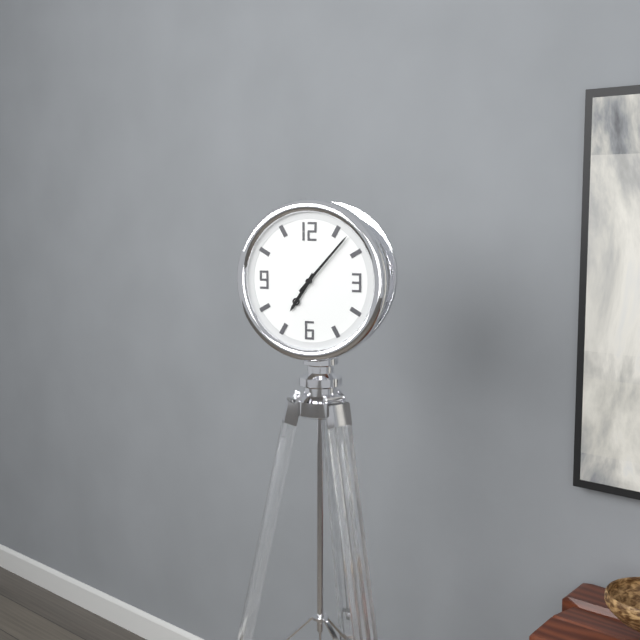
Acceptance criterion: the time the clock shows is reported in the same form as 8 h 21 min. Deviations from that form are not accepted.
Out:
7 h 07 min
